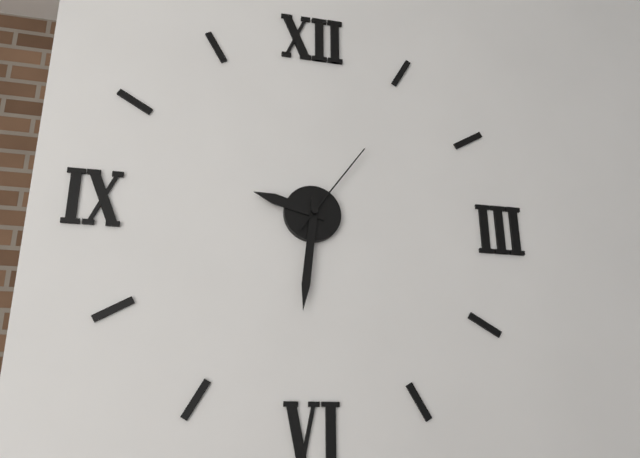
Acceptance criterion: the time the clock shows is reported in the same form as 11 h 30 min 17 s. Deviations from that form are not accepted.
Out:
9 h 31 min 06 s
